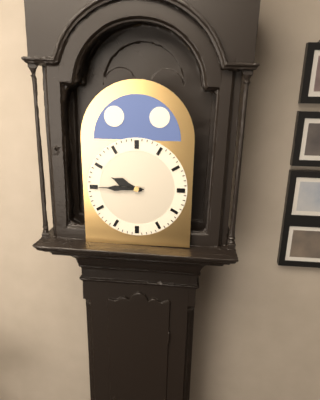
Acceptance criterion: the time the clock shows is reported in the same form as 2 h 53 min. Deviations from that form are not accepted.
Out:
9 h 45 min
